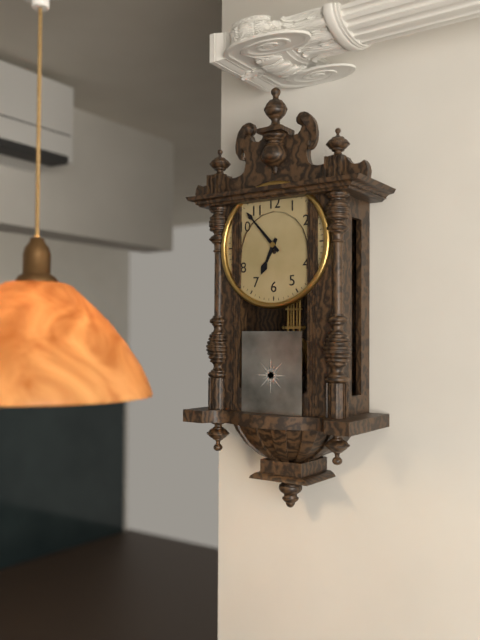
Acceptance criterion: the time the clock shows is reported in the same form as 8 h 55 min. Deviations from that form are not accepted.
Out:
6 h 53 min
